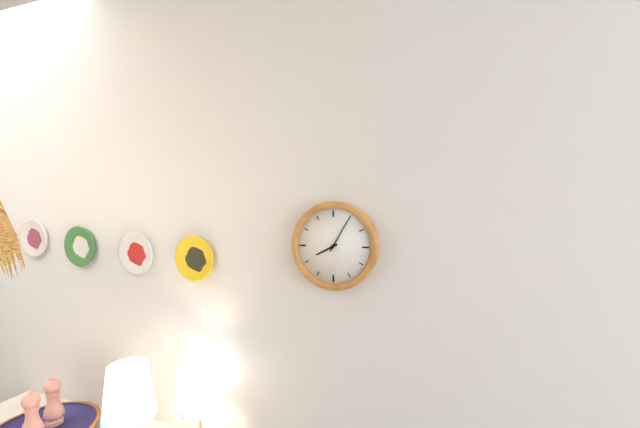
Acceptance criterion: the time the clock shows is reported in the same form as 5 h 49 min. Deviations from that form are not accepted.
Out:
8 h 05 min
